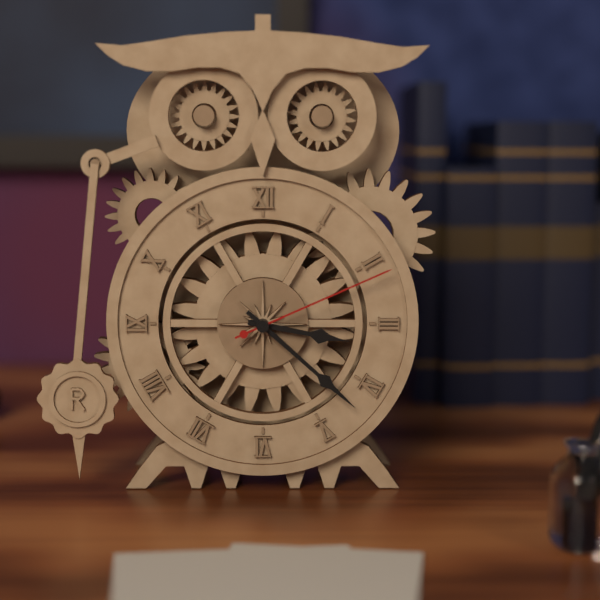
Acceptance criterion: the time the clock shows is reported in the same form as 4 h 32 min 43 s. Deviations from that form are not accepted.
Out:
3 h 22 min 11 s
